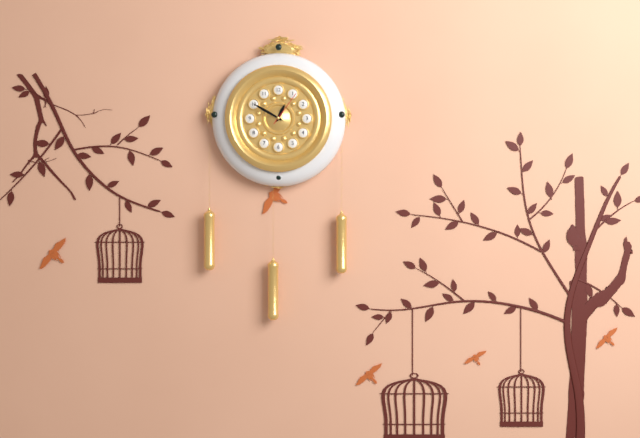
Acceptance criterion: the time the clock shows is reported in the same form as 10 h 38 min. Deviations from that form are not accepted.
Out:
12 h 50 min
